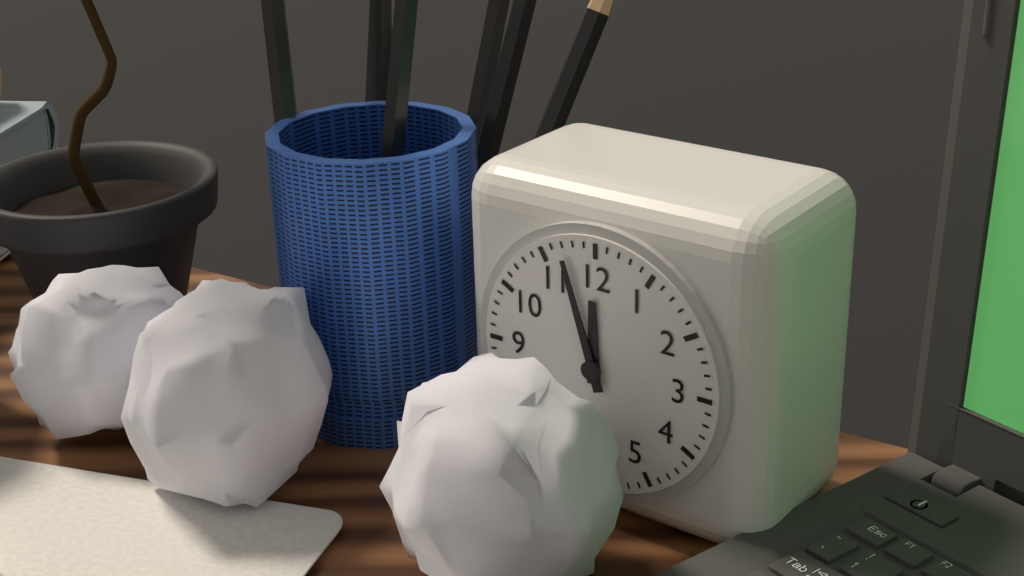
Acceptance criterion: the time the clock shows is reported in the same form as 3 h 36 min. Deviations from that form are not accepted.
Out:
11 h 57 min
